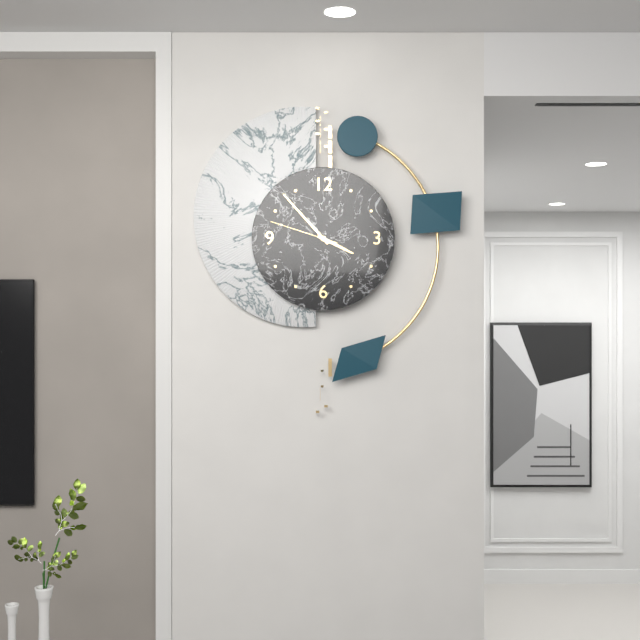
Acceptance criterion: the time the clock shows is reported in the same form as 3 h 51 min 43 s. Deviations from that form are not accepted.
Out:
3 h 53 min 48 s
